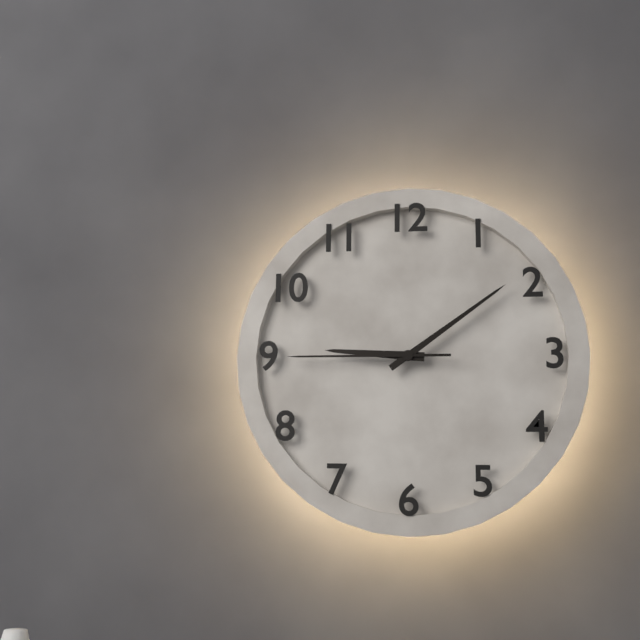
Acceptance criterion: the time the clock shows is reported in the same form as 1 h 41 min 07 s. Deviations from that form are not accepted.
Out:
9 h 09 min 45 s
